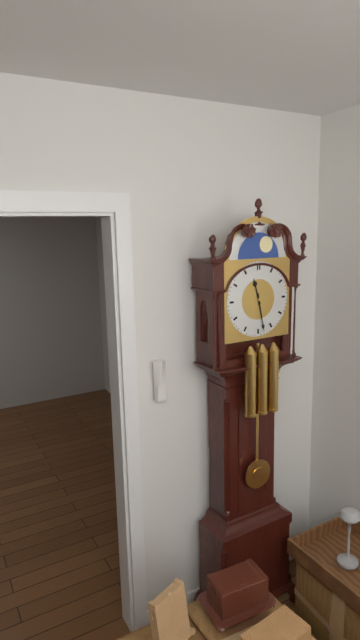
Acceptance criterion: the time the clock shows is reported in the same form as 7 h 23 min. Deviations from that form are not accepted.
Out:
11 h 28 min
